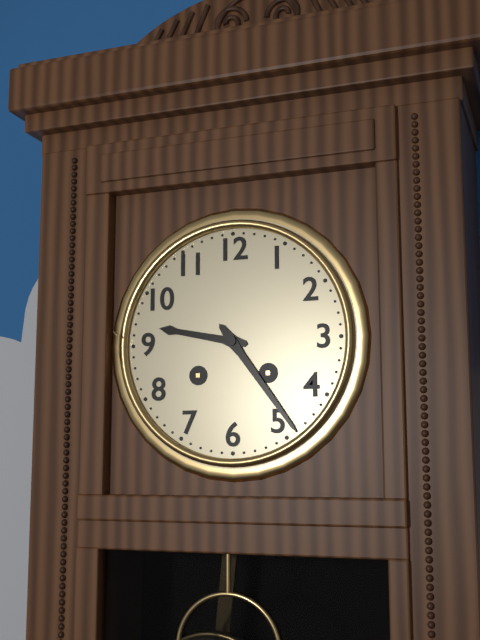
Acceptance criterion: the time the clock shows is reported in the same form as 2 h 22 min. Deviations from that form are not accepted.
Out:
9 h 24 min
